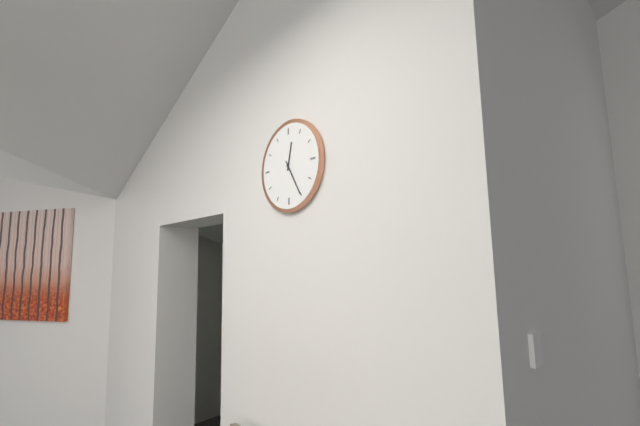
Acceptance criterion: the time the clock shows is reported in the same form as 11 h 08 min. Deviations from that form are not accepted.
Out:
12 h 25 min
